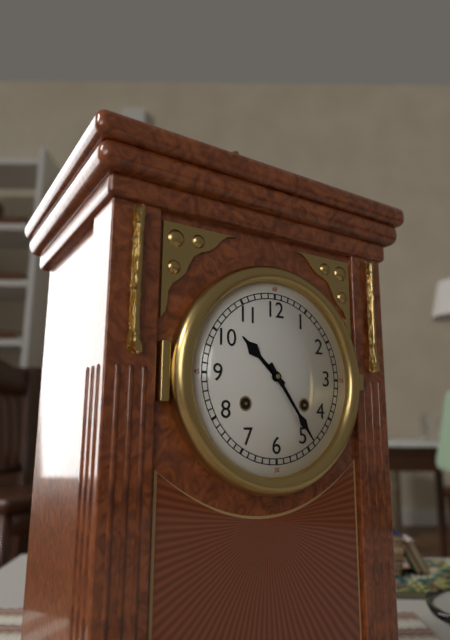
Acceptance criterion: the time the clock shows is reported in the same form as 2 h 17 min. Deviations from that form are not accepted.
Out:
10 h 24 min
